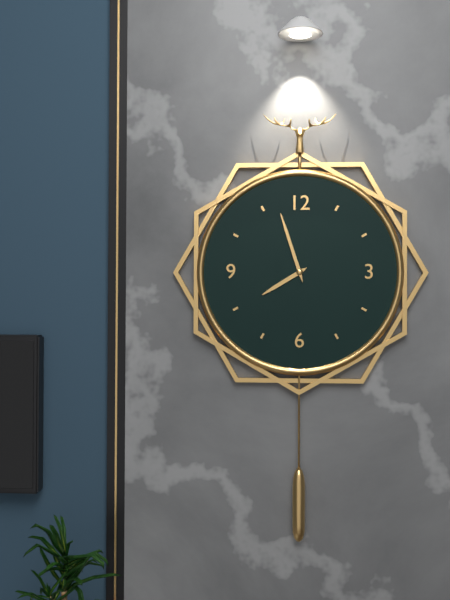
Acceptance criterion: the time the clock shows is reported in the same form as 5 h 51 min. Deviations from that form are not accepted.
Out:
7 h 57 min
